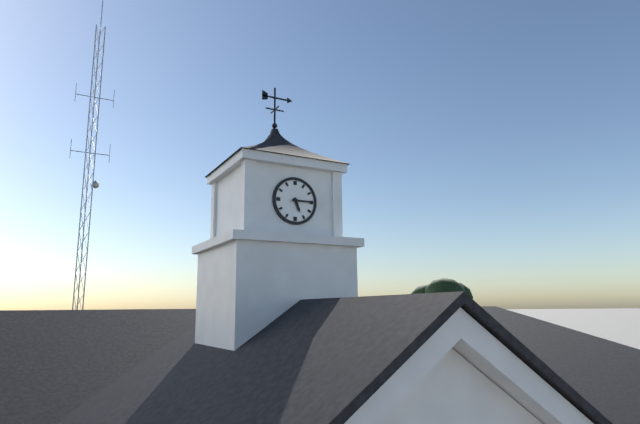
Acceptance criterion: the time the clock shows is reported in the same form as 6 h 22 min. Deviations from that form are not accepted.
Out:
5 h 15 min
